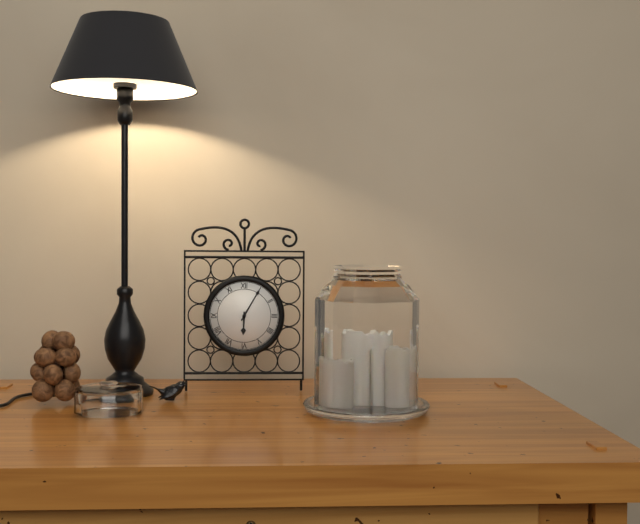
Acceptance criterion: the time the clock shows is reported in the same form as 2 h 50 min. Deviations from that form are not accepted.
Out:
6 h 05 min
